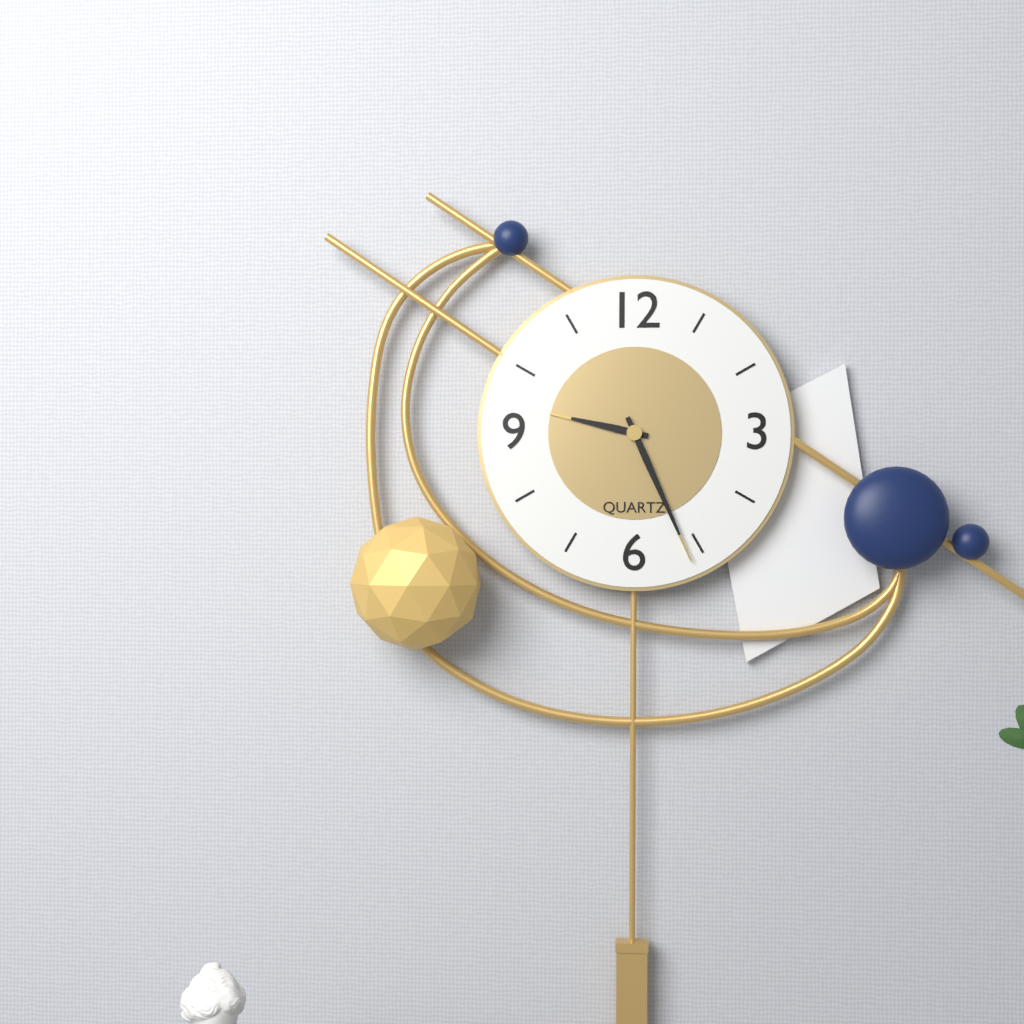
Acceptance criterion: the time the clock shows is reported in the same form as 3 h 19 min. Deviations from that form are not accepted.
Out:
9 h 26 min
